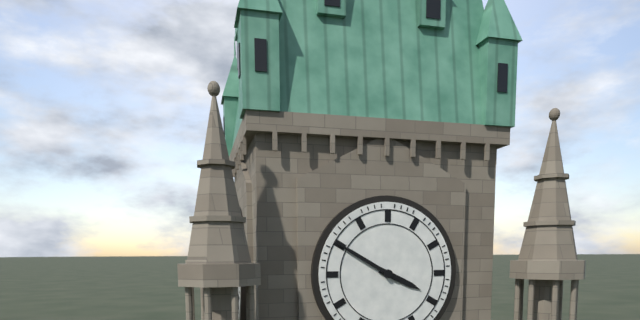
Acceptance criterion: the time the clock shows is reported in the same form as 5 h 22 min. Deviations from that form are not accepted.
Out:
3 h 50 min
